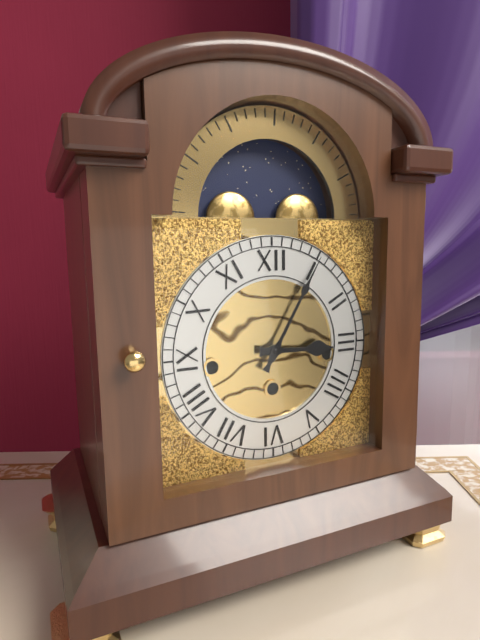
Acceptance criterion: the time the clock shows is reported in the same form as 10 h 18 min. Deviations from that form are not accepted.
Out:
3 h 05 min
